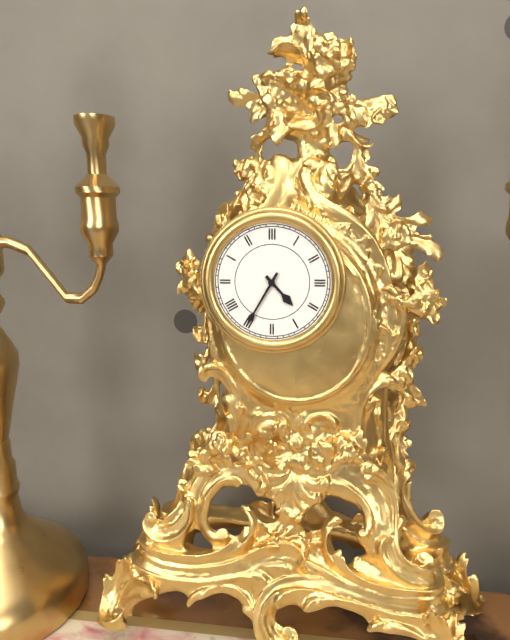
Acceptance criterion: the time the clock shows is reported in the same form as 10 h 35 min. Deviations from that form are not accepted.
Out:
4 h 35 min
